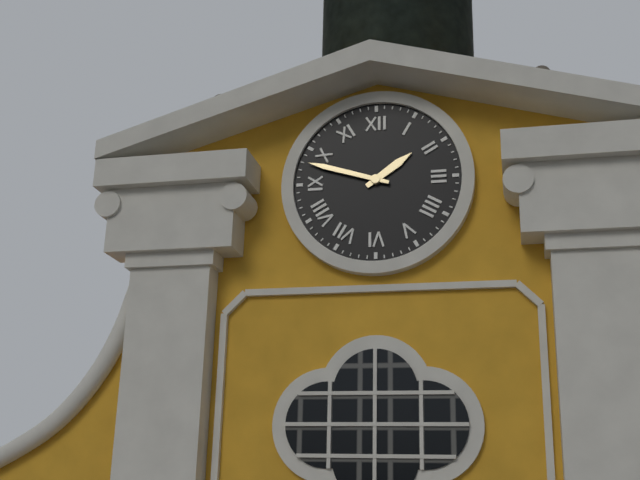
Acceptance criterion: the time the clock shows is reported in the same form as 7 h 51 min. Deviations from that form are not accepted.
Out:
1 h 48 min
